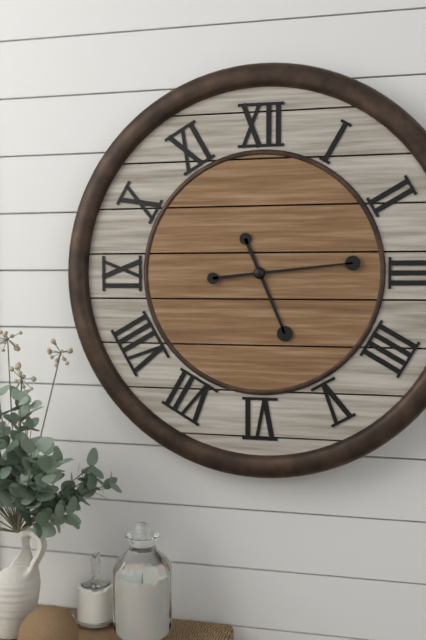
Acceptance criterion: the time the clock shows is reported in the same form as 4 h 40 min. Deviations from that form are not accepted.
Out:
5 h 14 min
